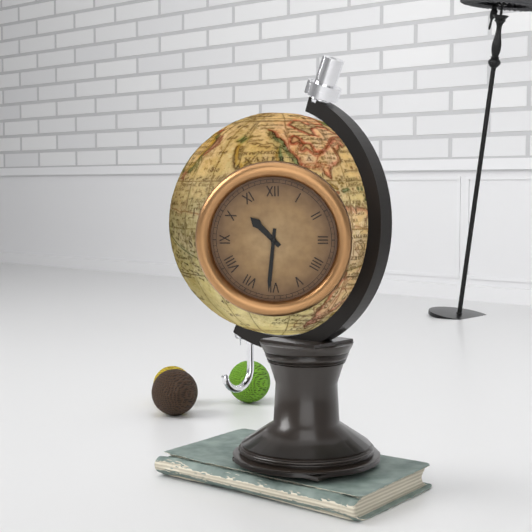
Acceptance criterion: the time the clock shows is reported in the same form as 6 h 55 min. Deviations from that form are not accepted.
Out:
10 h 31 min
